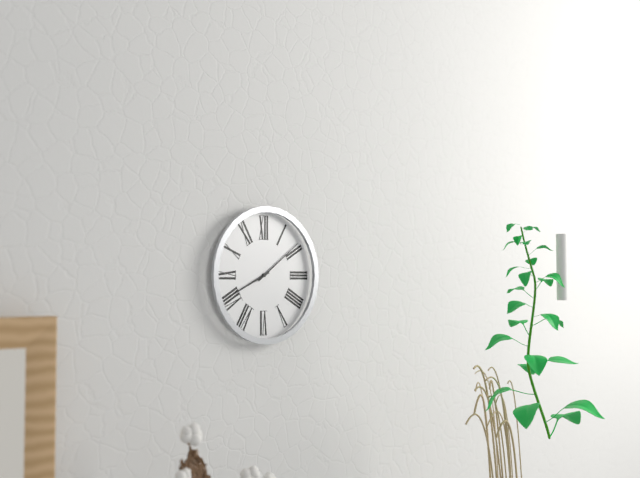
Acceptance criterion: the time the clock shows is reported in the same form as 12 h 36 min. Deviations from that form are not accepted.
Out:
8 h 09 min
